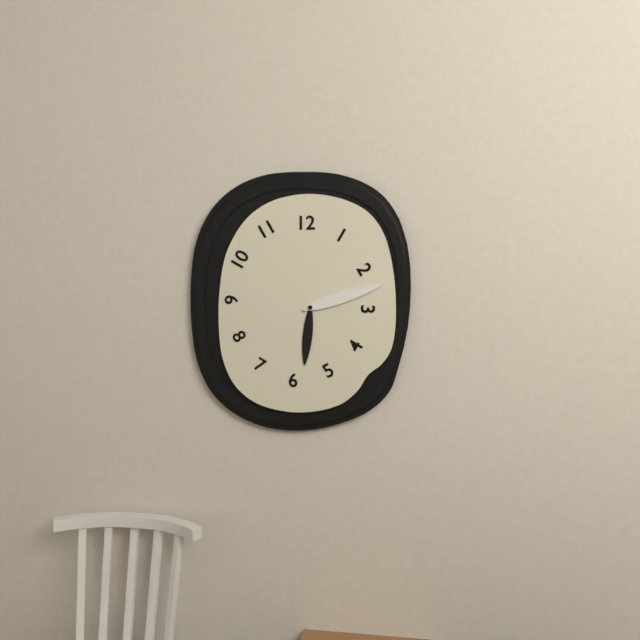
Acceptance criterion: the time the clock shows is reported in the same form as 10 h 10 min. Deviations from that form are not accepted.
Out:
6 h 12 min
